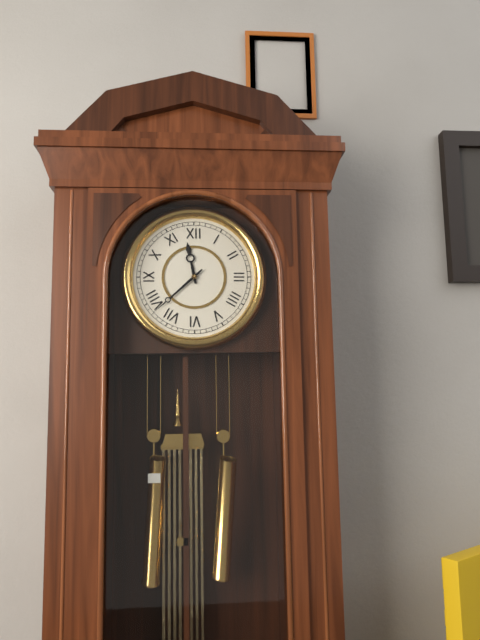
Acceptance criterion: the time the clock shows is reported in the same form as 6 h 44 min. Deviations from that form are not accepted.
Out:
11 h 38 min
